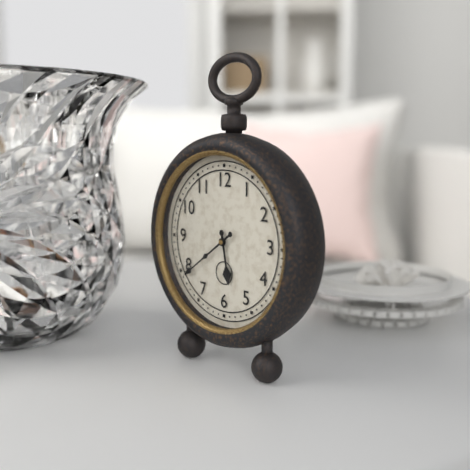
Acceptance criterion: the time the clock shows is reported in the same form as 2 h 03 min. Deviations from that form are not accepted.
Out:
5 h 39 min
